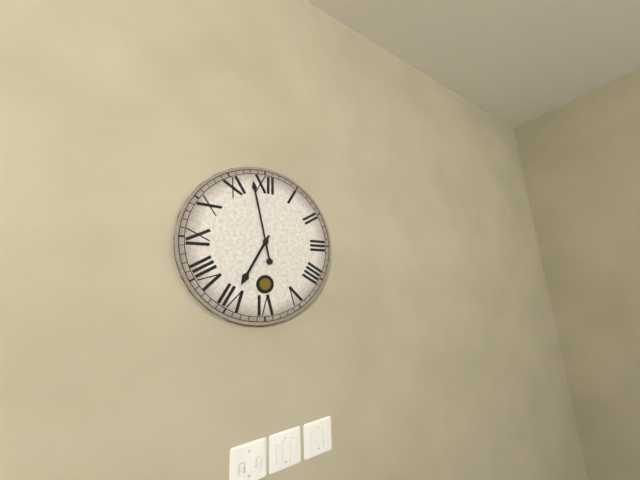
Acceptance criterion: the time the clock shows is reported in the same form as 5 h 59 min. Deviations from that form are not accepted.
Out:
6 h 58 min
